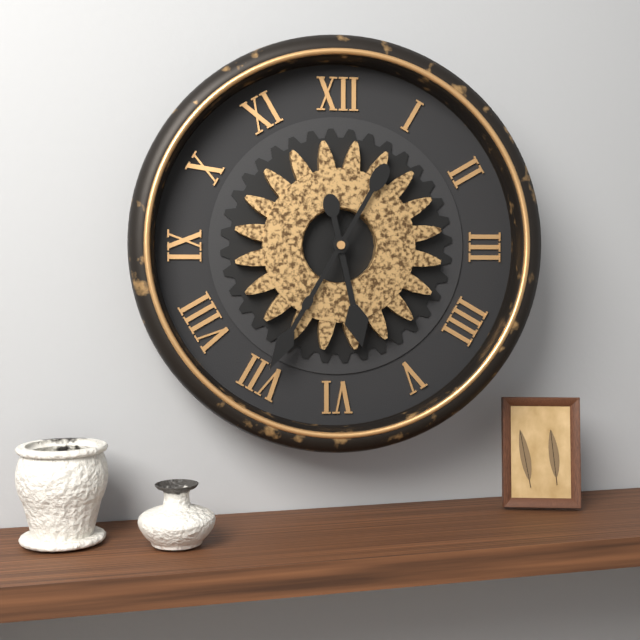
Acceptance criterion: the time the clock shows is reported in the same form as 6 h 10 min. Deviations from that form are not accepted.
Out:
5 h 35 min
